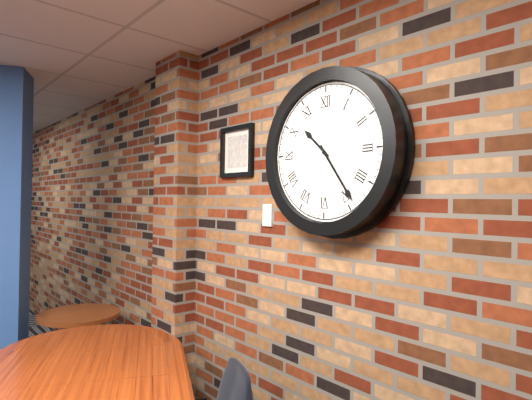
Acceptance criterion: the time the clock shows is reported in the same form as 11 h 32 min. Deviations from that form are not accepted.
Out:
10 h 24 min
